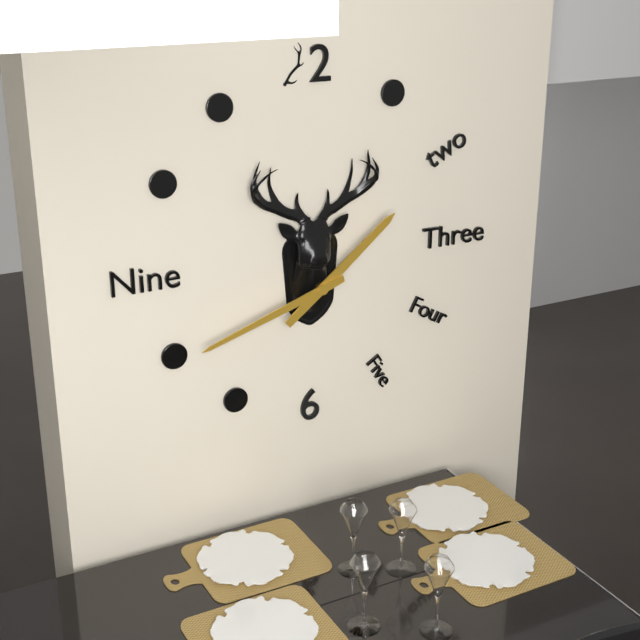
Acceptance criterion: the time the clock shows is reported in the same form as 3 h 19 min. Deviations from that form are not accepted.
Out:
1 h 42 min
